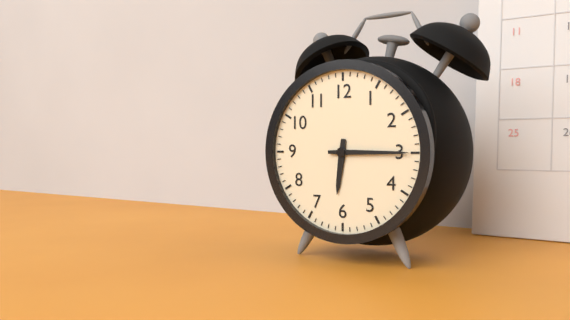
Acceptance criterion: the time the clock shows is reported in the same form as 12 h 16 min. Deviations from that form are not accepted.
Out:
6 h 15 min
